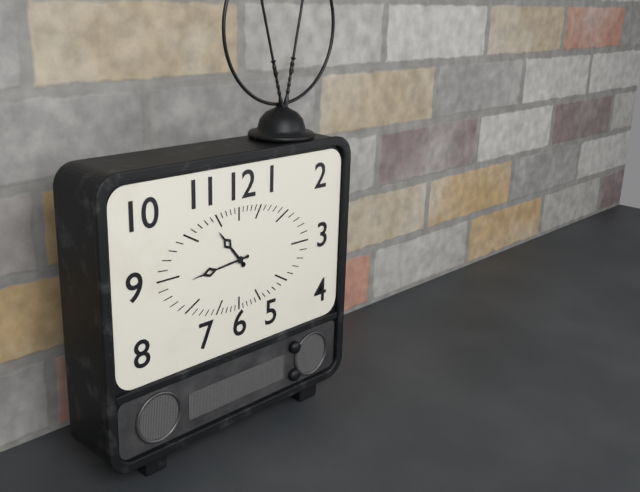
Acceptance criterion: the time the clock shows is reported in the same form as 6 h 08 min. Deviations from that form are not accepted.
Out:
10 h 44 min
